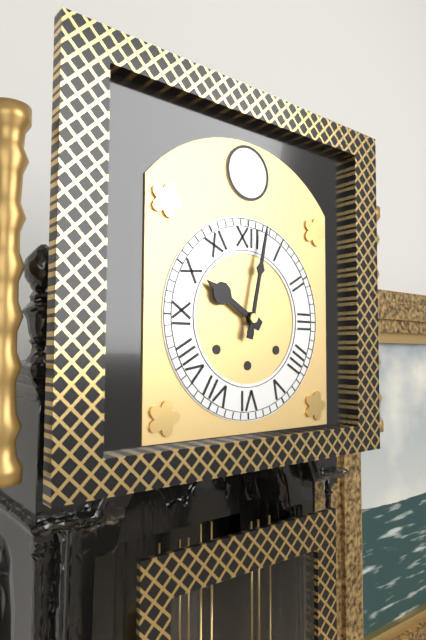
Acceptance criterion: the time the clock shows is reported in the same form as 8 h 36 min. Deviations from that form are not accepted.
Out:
10 h 02 min
